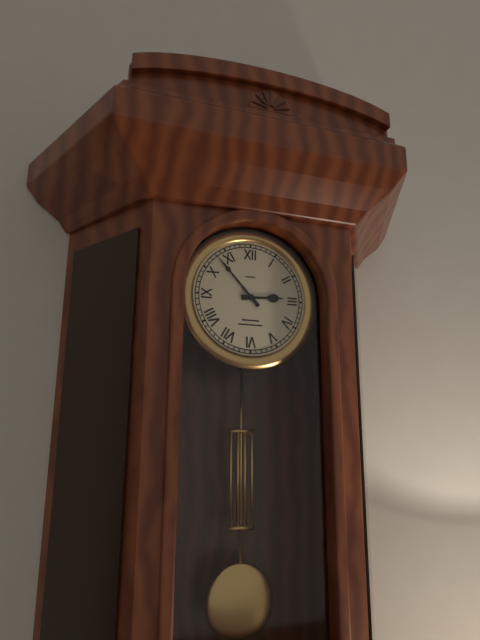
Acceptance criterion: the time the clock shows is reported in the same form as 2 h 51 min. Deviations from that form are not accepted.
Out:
2 h 53 min
